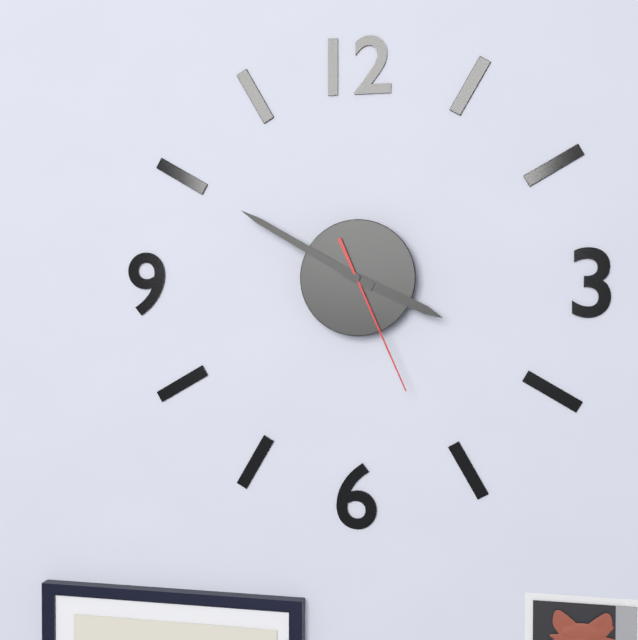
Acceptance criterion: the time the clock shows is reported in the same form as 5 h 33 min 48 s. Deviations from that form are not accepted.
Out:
3 h 50 min 26 s
